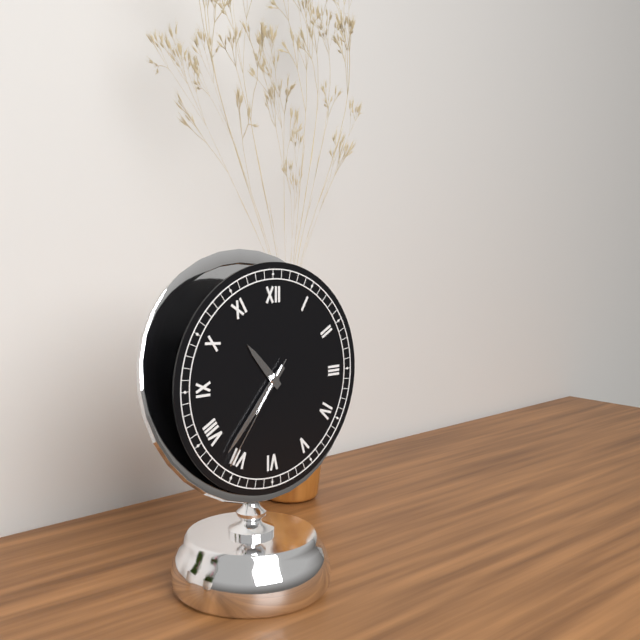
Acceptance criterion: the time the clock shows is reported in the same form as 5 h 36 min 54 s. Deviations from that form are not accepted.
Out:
10 h 37 min 36 s
